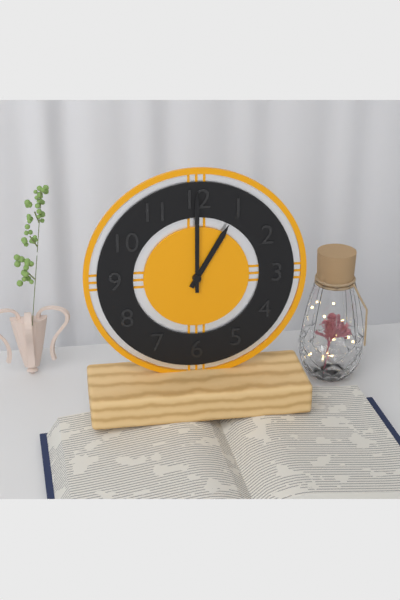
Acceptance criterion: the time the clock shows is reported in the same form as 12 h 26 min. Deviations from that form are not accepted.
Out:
1 h 00 min
